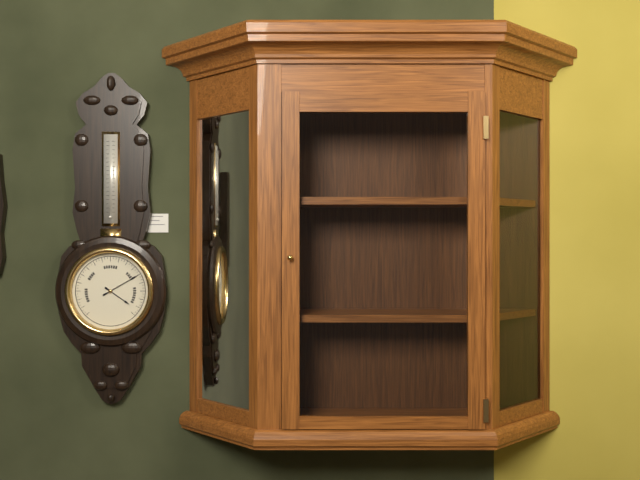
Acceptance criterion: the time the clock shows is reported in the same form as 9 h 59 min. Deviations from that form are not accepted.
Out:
4 h 10 min
